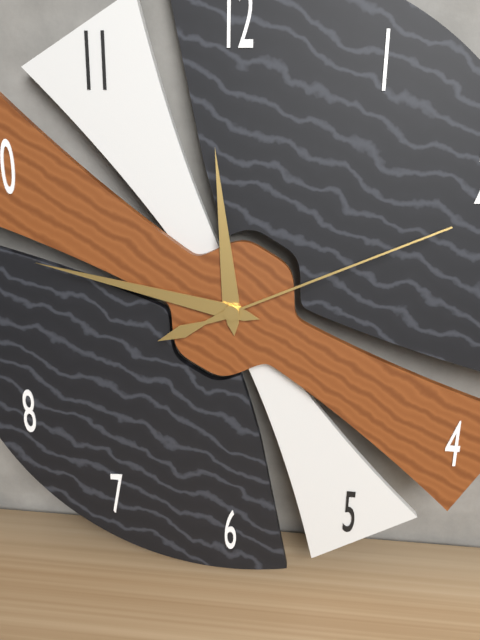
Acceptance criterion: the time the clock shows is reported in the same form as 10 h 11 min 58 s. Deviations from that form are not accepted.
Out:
11 h 47 min 11 s
